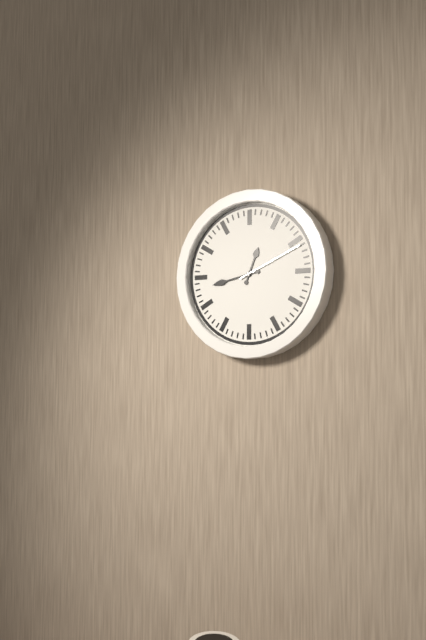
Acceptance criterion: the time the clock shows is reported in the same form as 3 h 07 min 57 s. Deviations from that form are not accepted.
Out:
12 h 43 min 11 s
